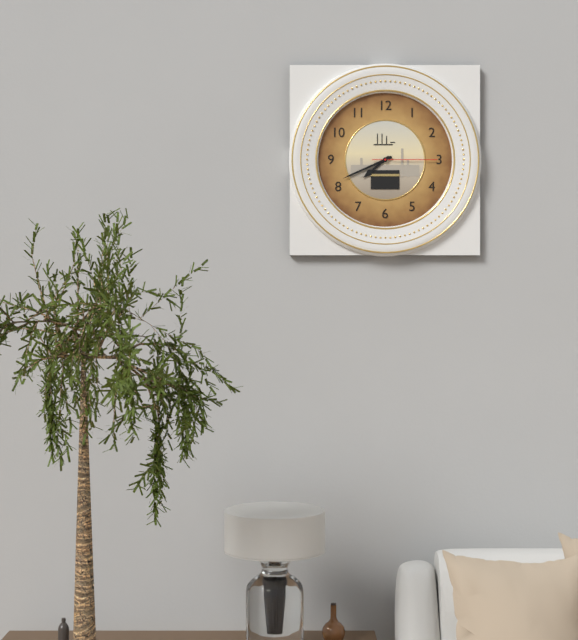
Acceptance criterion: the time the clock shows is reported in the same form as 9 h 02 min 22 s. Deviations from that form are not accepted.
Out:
7 h 41 min 15 s
